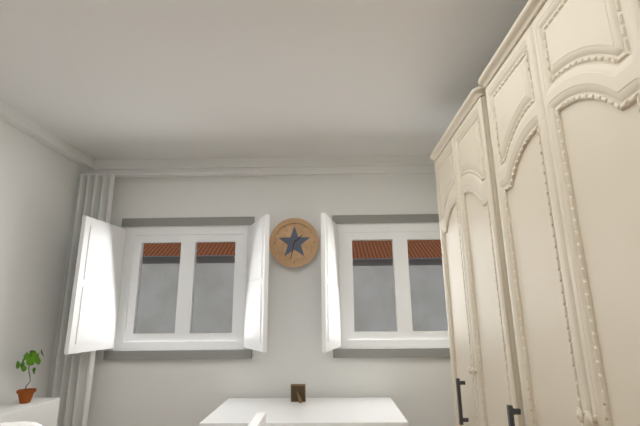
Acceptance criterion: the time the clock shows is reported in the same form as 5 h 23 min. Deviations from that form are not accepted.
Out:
1 h 32 min
